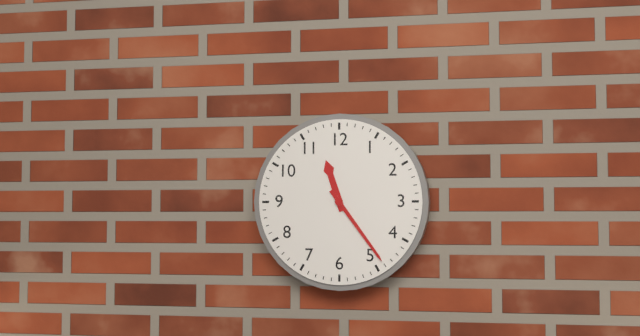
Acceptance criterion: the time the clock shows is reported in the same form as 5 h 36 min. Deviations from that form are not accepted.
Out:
11 h 24 min
